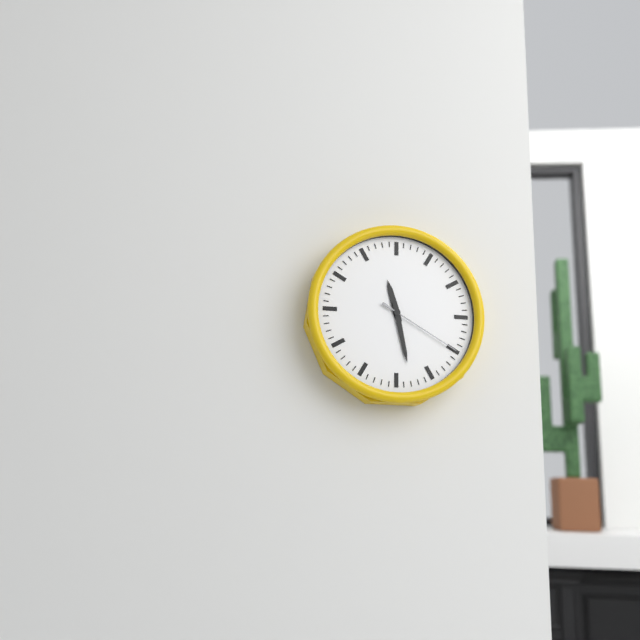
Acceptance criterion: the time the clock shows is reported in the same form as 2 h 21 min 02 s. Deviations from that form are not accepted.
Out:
11 h 28 min 20 s
